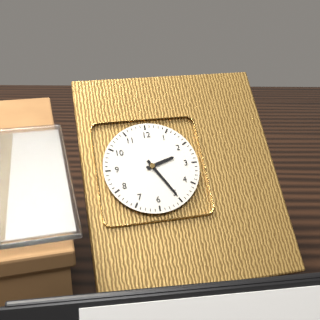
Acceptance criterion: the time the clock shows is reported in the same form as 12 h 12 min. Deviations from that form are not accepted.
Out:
2 h 25 min
